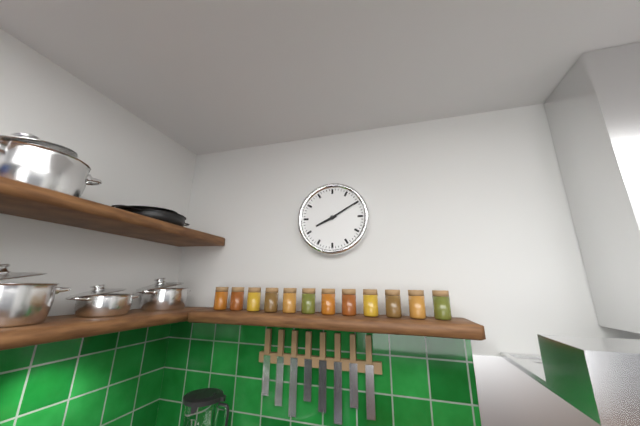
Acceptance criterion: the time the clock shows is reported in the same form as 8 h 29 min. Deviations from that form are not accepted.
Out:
8 h 10 min
